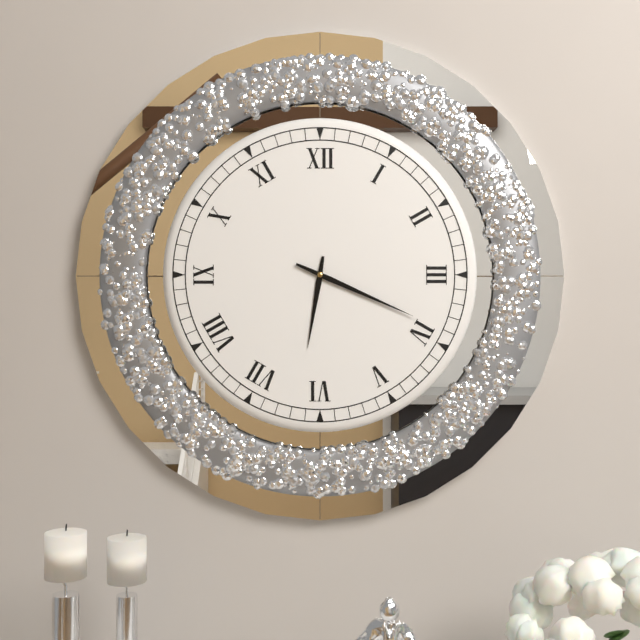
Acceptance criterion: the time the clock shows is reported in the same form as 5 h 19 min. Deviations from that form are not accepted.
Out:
6 h 19 min
